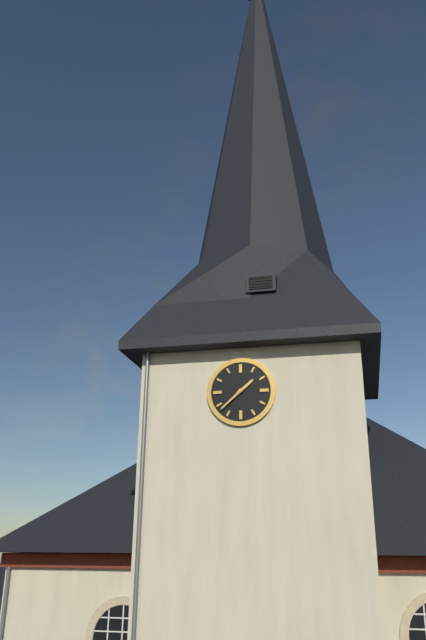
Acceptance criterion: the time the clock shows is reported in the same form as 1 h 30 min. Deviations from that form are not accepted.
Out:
1 h 38 min
